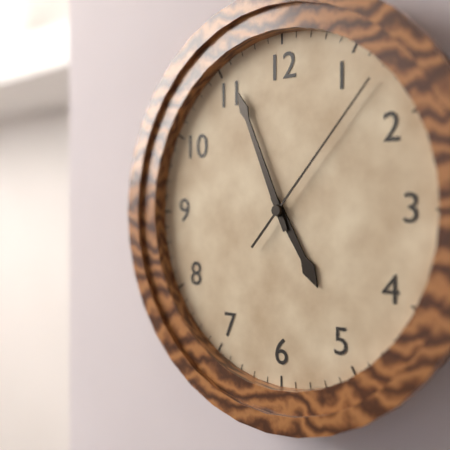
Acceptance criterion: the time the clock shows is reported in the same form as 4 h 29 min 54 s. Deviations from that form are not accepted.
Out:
4 h 56 min 07 s
